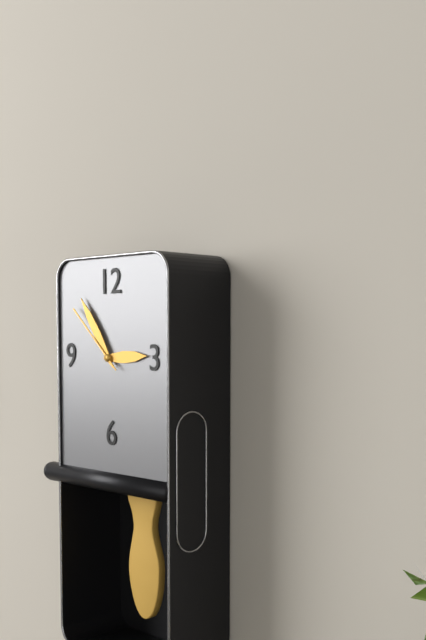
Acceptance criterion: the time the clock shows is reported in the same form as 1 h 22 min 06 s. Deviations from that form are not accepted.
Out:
2 h 54 min 52 s
